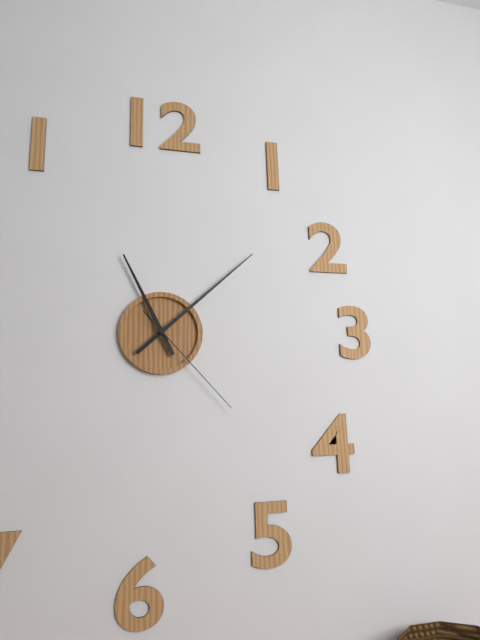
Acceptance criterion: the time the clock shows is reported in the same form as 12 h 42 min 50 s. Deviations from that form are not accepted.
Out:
11 h 08 min 23 s
